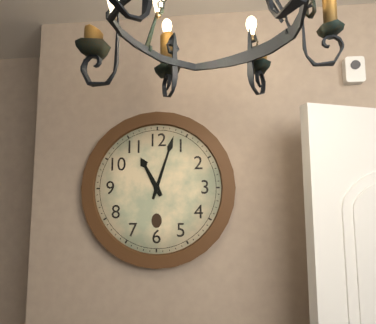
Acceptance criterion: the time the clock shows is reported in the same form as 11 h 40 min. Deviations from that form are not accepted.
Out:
11 h 03 min
